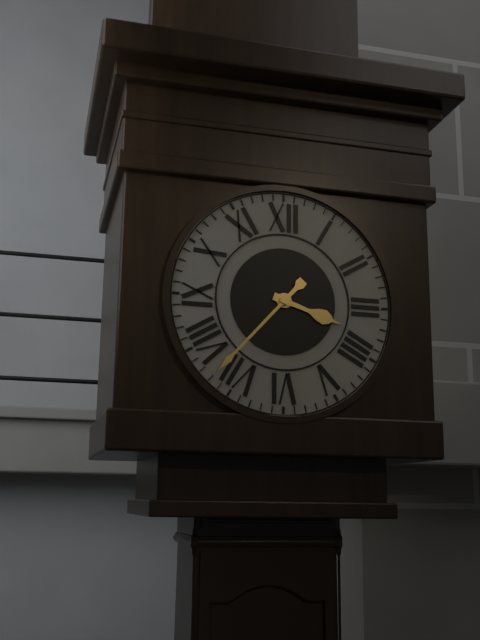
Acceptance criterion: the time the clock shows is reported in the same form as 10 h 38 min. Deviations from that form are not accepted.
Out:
3 h 37 min
